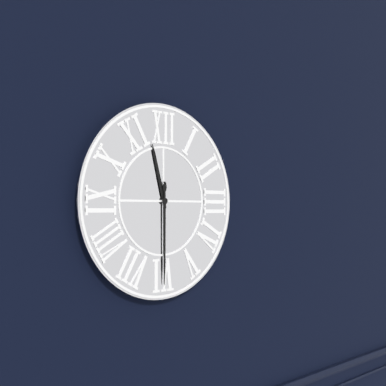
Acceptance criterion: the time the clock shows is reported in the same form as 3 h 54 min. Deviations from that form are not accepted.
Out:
11 h 30 min
